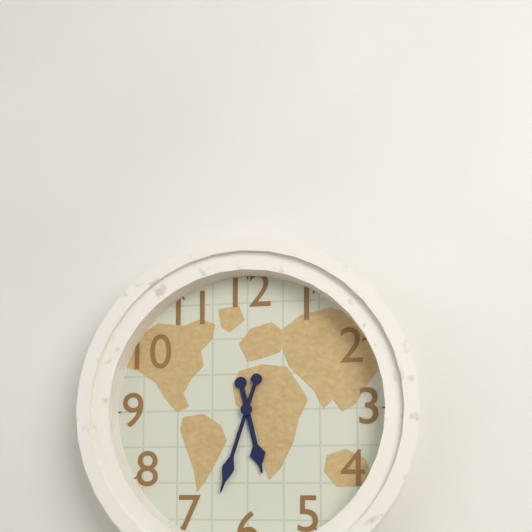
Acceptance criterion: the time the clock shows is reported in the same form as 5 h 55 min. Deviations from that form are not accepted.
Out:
5 h 33 min
